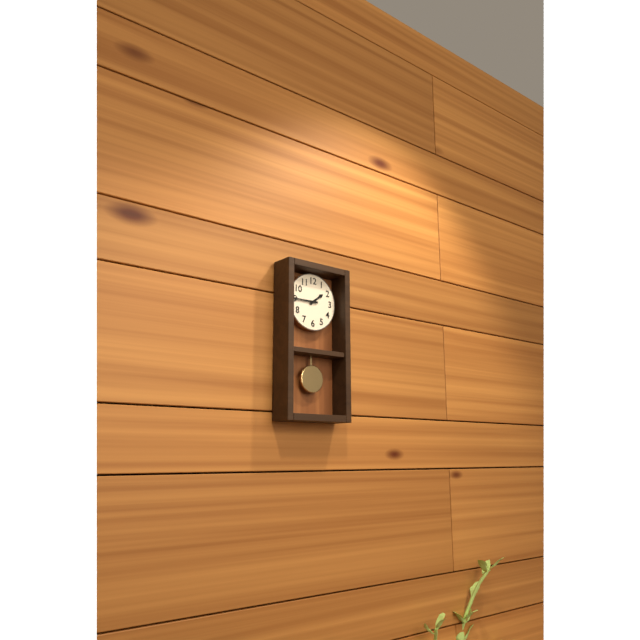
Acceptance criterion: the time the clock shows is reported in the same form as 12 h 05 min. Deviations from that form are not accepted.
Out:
1 h 45 min
